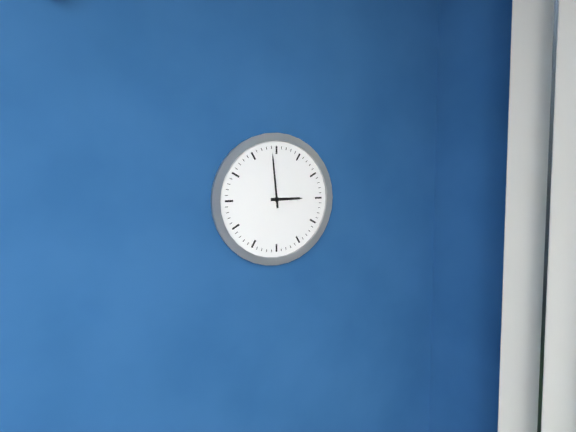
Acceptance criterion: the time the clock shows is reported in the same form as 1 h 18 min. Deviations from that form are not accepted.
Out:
2 h 59 min
